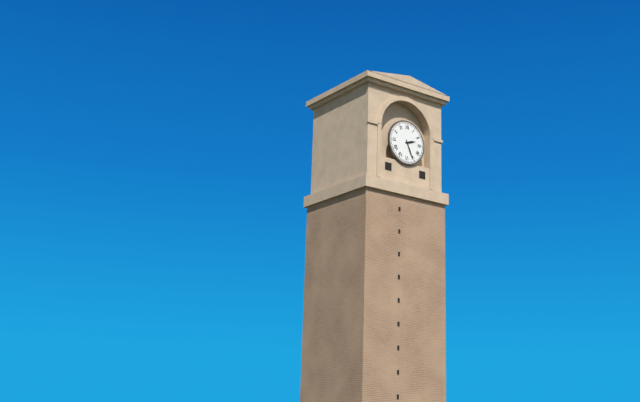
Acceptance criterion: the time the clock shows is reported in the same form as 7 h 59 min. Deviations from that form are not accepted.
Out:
2 h 26 min
